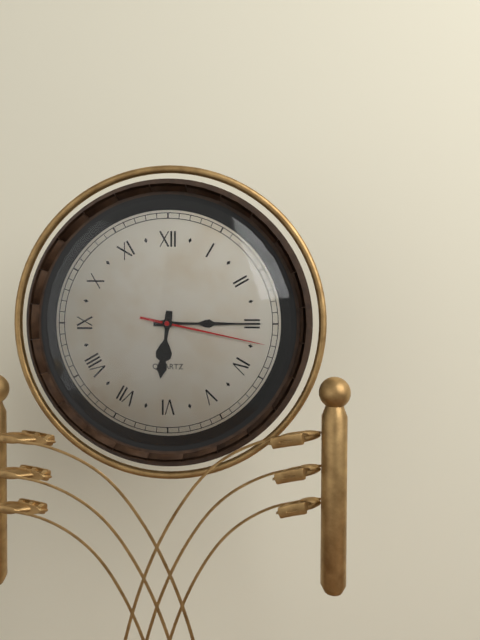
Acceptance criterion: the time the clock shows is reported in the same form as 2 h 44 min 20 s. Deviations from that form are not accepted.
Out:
6 h 15 min 17 s
